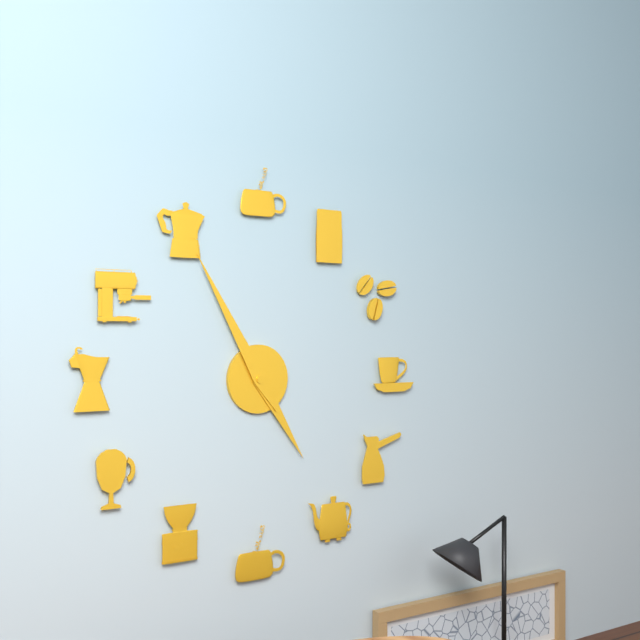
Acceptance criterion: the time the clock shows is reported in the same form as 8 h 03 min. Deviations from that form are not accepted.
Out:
4 h 55 min
